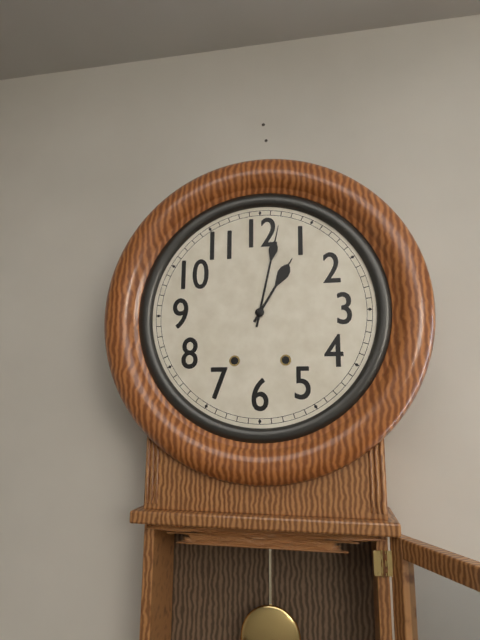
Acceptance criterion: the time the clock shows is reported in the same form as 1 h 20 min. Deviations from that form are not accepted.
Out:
1 h 02 min
